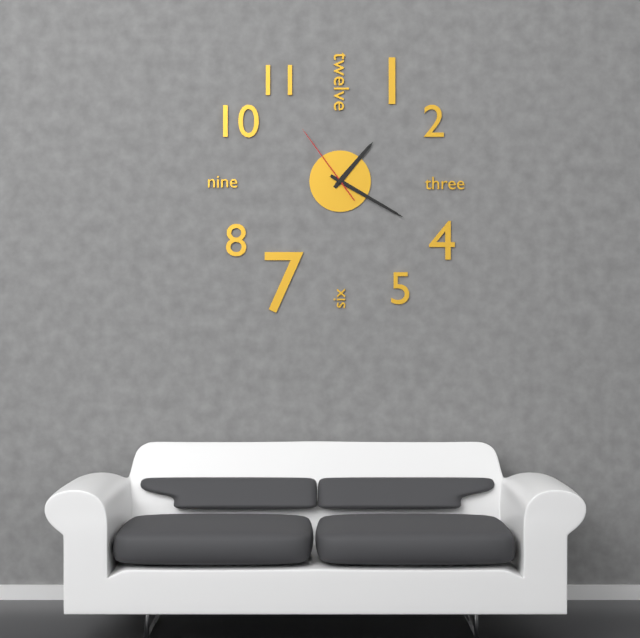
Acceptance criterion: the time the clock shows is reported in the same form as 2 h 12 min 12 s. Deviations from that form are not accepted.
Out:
1 h 20 min 54 s
